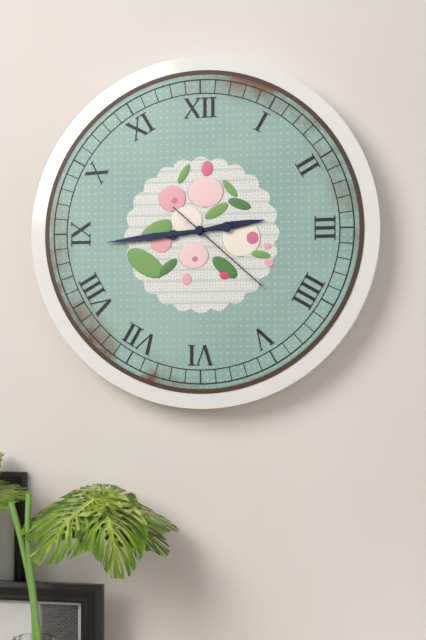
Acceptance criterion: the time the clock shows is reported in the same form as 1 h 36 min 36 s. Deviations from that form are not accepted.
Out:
2 h 44 min 22 s
